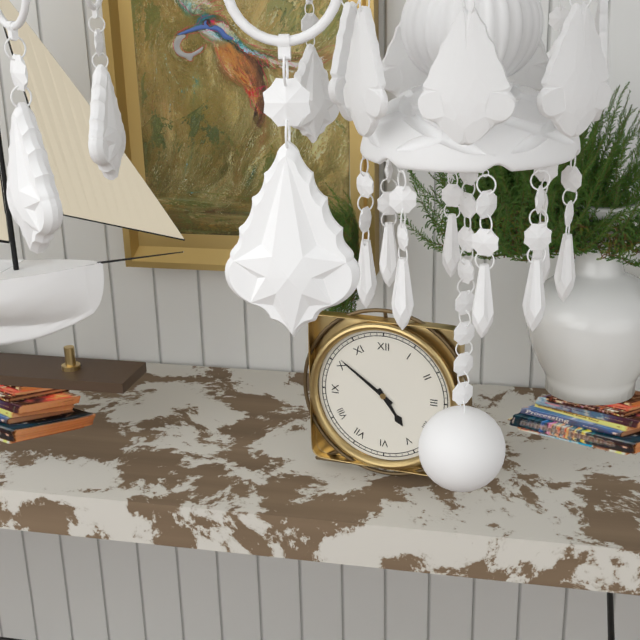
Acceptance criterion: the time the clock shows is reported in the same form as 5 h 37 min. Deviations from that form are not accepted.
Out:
4 h 51 min
